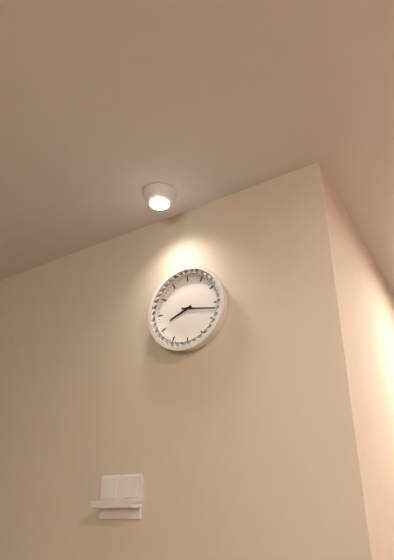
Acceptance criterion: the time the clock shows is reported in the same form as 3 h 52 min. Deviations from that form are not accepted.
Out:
8 h 17 min
